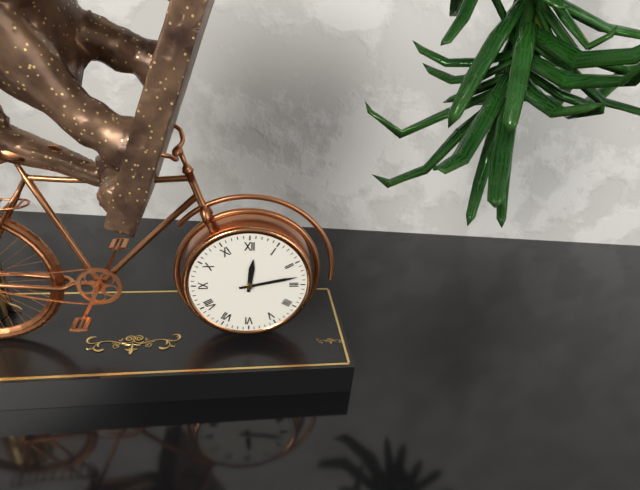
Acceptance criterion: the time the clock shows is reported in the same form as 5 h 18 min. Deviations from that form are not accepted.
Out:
12 h 13 min
